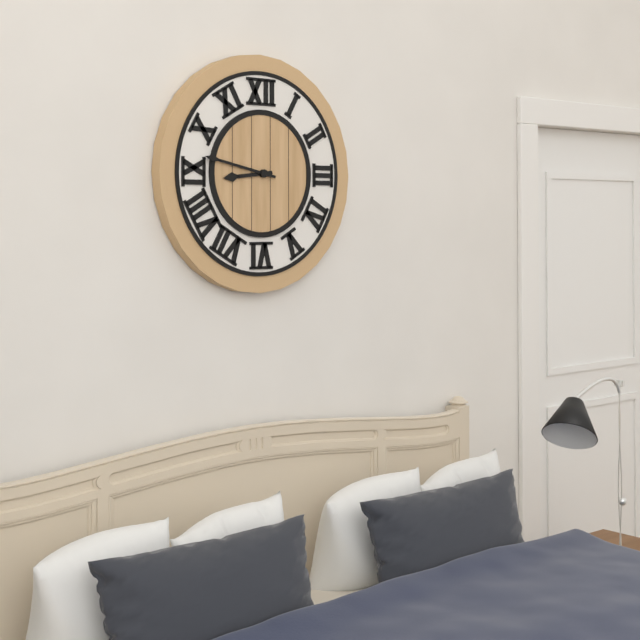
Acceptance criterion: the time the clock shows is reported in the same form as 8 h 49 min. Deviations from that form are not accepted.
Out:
8 h 47 min
